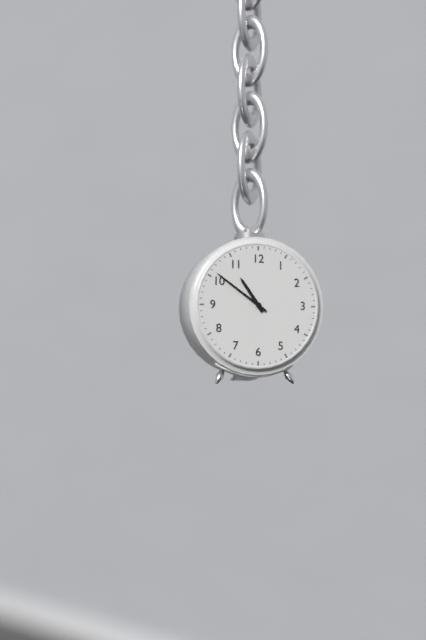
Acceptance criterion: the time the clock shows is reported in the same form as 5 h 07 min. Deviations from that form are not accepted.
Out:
10 h 51 min
